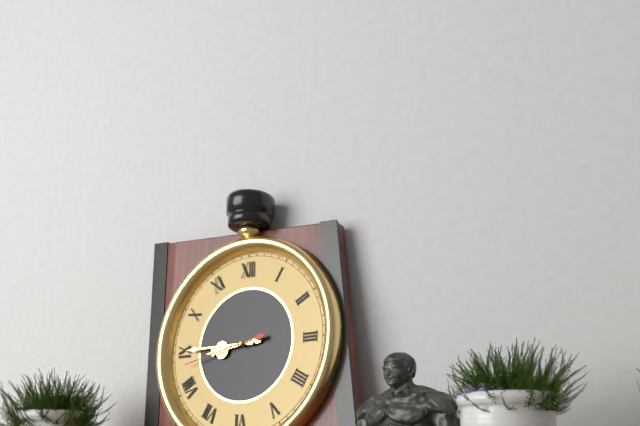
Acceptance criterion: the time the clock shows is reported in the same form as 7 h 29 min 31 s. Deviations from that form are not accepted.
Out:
8 h 45 min 43 s
